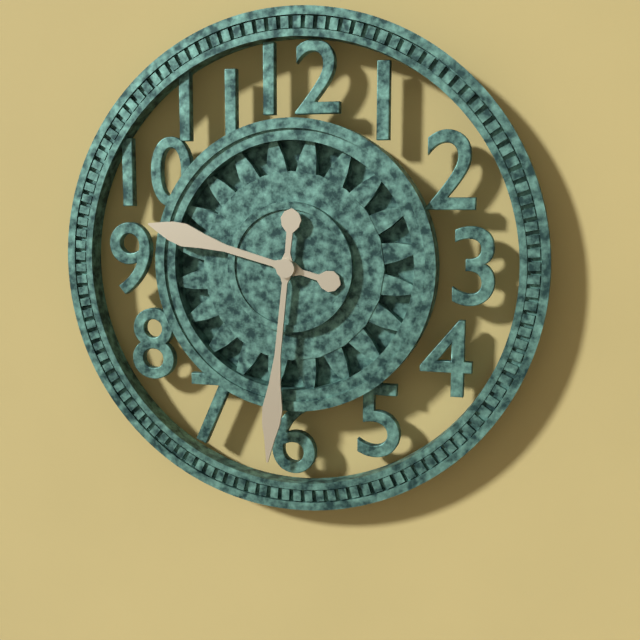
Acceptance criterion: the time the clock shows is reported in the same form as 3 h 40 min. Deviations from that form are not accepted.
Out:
9 h 31 min
